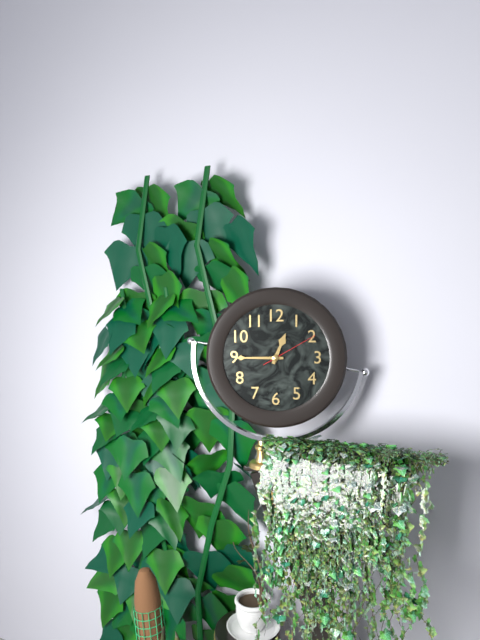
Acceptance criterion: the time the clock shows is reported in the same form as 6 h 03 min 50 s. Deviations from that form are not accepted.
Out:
12 h 45 min 10 s
